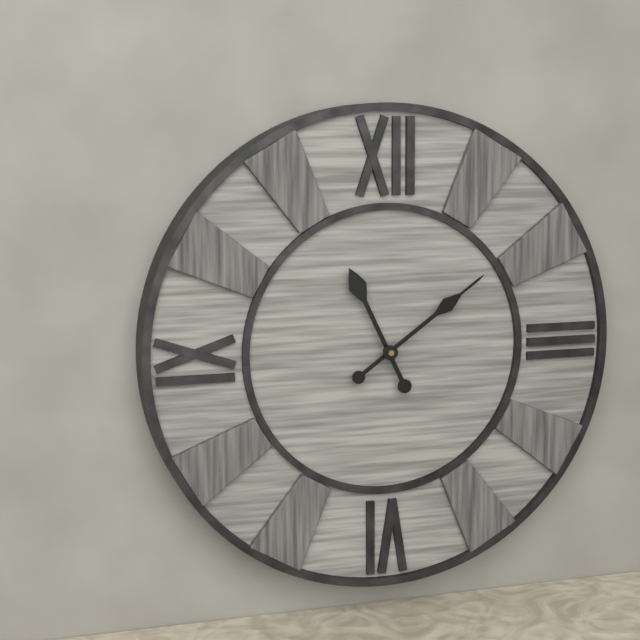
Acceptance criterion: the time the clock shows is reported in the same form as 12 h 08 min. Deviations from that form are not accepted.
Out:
11 h 09 min
